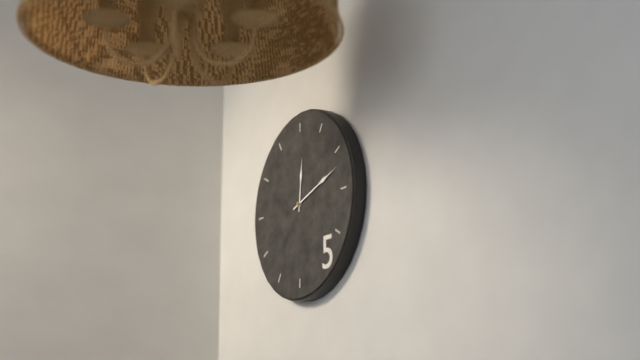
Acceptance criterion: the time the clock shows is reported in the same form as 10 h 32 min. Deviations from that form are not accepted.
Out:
12 h 12 min
